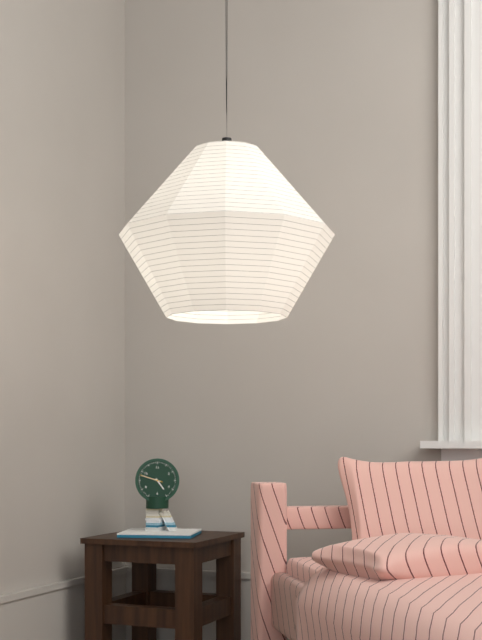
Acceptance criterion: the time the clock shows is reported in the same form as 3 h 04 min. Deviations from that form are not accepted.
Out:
4 h 48 min
